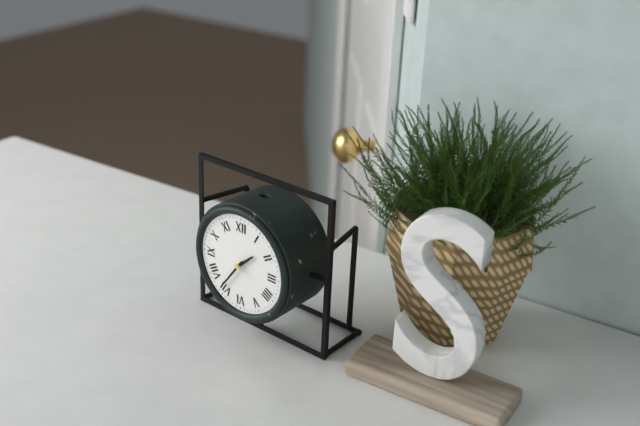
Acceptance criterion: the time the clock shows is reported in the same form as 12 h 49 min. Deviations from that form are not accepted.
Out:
1 h 36 min
